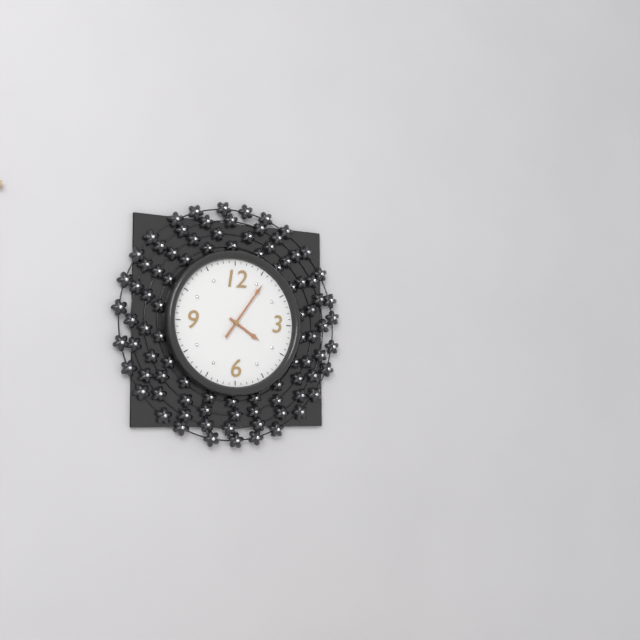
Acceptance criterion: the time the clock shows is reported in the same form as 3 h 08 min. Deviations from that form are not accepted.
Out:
4 h 06 min
